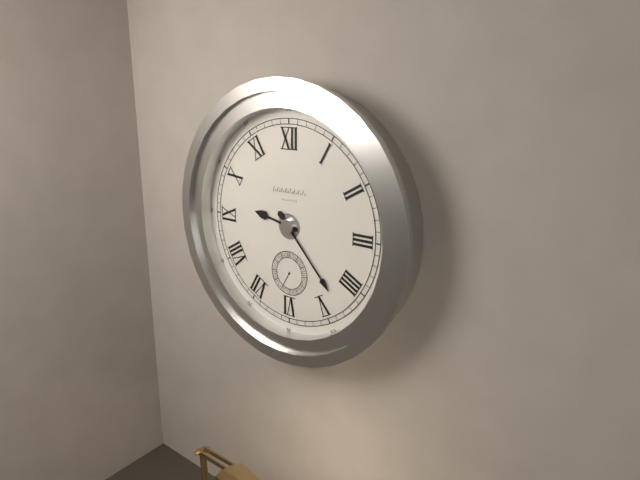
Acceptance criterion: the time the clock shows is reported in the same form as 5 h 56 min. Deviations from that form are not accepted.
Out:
9 h 23 min
